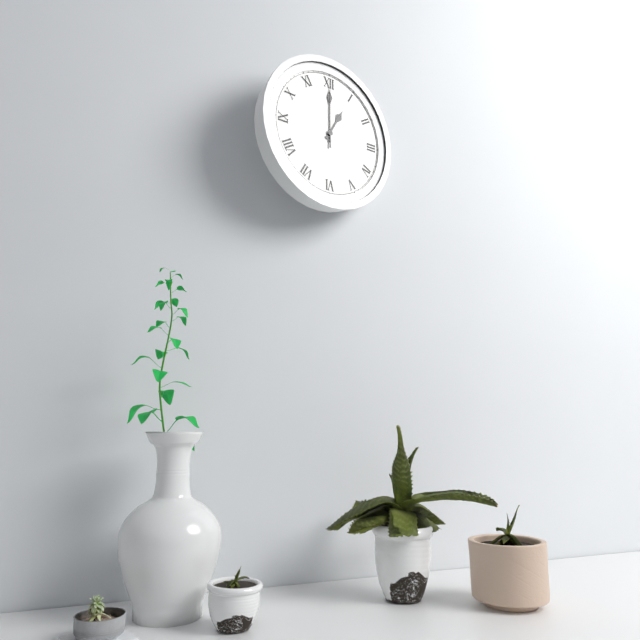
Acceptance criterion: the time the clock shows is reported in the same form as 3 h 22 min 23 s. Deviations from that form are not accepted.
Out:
1 h 00 min 00 s
